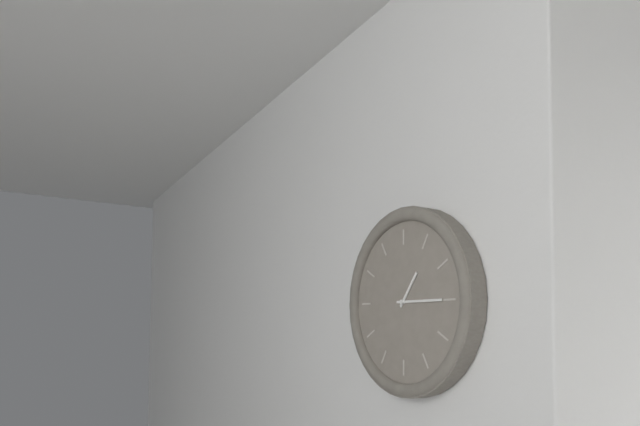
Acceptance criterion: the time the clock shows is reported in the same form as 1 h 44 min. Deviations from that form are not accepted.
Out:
1 h 15 min
